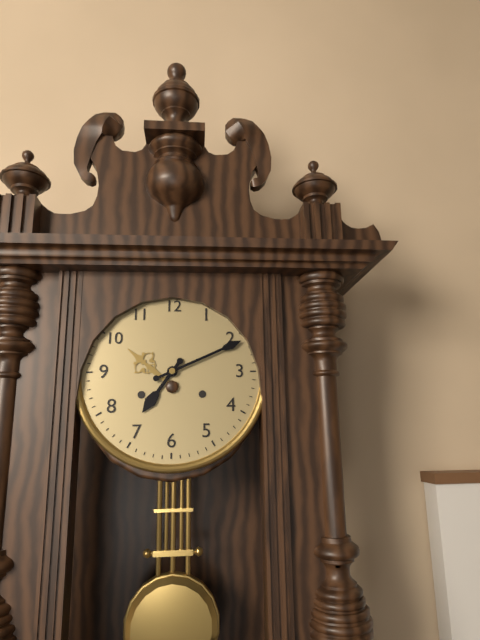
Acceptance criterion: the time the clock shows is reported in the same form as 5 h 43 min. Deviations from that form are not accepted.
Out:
7 h 11 min
